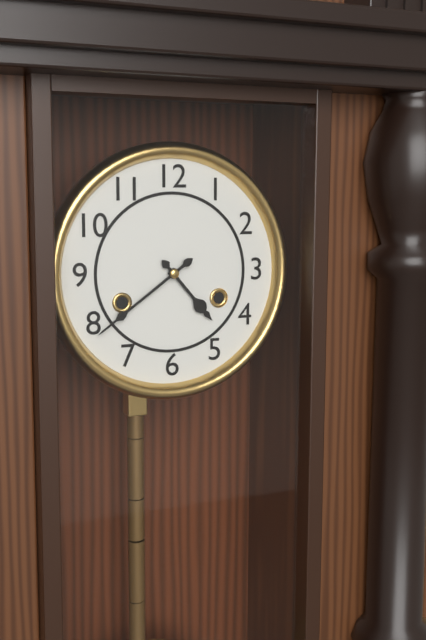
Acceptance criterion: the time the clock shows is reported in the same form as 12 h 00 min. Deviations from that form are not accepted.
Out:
4 h 39 min
